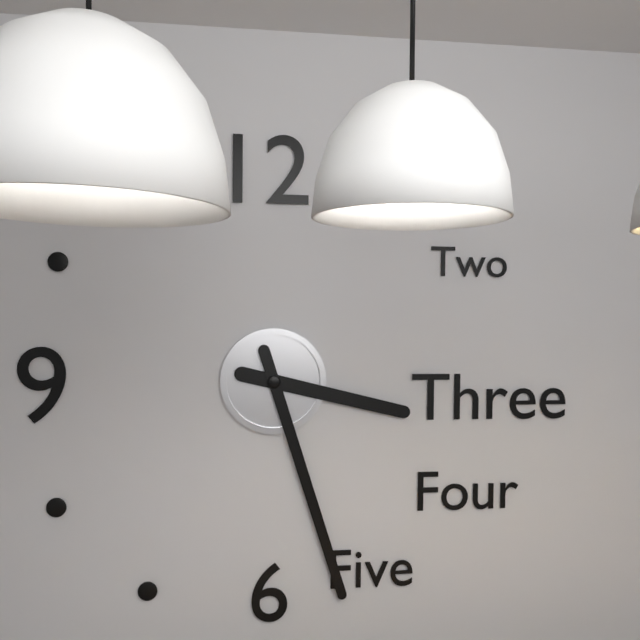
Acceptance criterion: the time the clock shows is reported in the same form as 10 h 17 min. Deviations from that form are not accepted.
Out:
3 h 27 min
